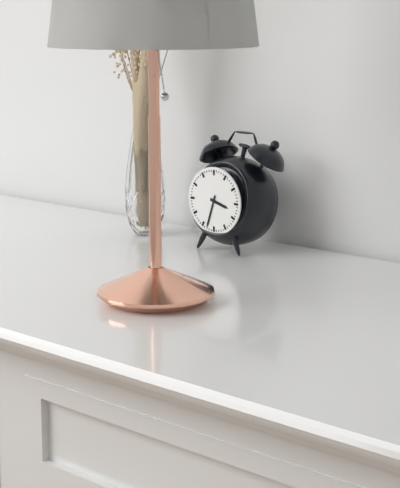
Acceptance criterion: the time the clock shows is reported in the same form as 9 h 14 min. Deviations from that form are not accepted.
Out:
3 h 33 min
